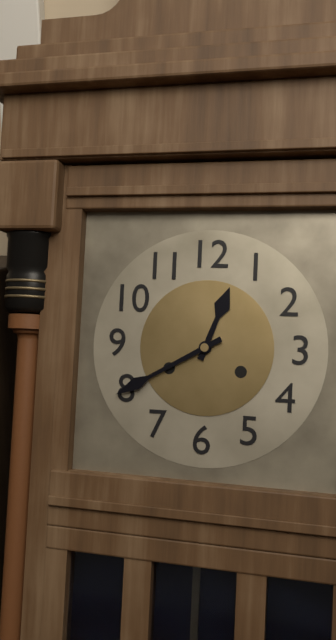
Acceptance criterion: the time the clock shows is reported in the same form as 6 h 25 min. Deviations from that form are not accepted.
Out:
12 h 40 min
